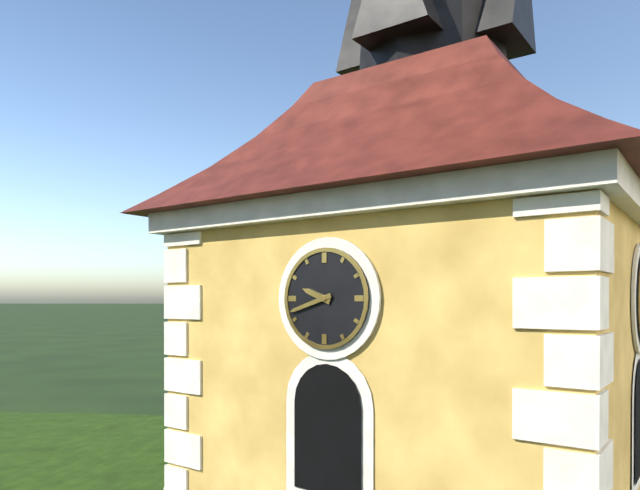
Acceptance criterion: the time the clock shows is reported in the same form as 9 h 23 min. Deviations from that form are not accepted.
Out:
9 h 42 min
